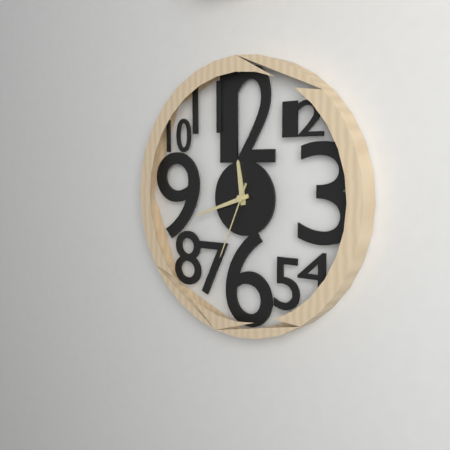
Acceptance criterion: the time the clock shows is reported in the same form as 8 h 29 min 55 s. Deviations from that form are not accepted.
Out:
11 h 42 min 34 s
